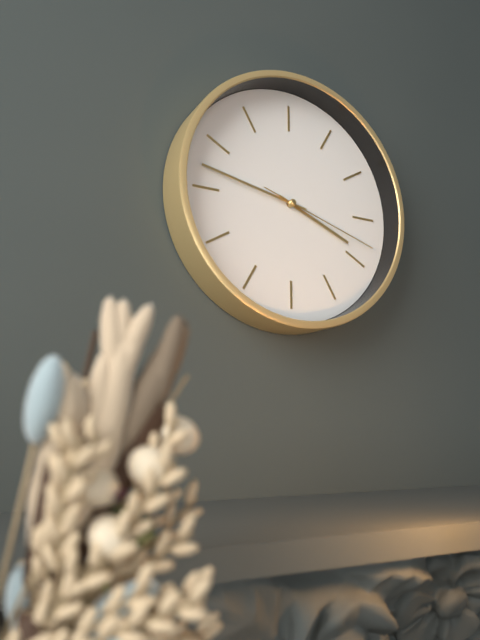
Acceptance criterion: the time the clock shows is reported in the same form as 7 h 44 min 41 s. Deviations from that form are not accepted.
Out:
3 h 47 min 18 s
